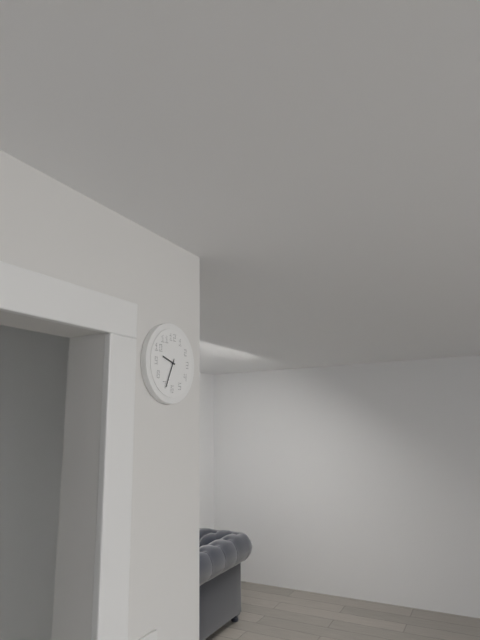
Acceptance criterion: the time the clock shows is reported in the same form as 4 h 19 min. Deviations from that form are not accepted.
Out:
9 h 34 min
